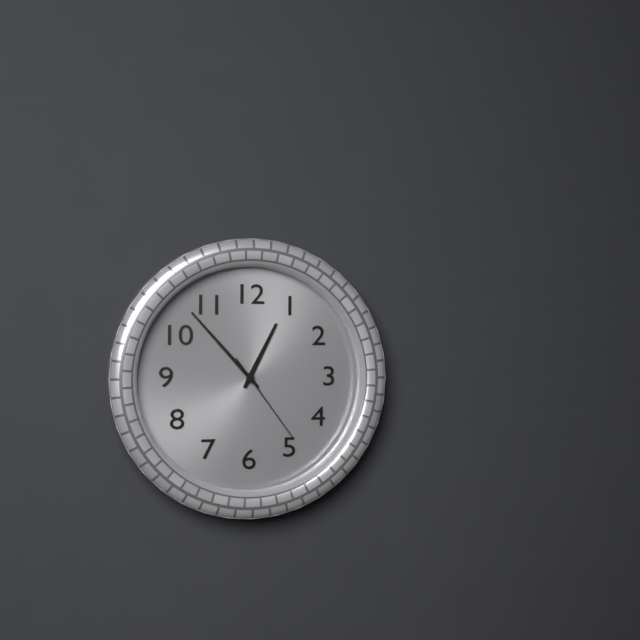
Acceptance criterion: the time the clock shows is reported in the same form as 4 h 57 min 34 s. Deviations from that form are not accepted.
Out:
12 h 53 min 24 s
